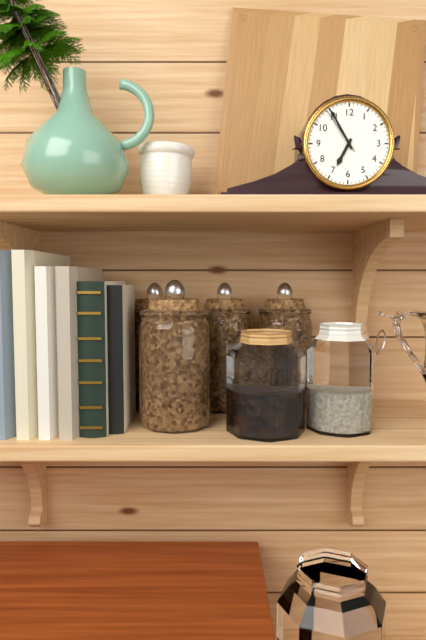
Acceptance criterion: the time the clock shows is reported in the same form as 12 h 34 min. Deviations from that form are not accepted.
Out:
6 h 55 min
